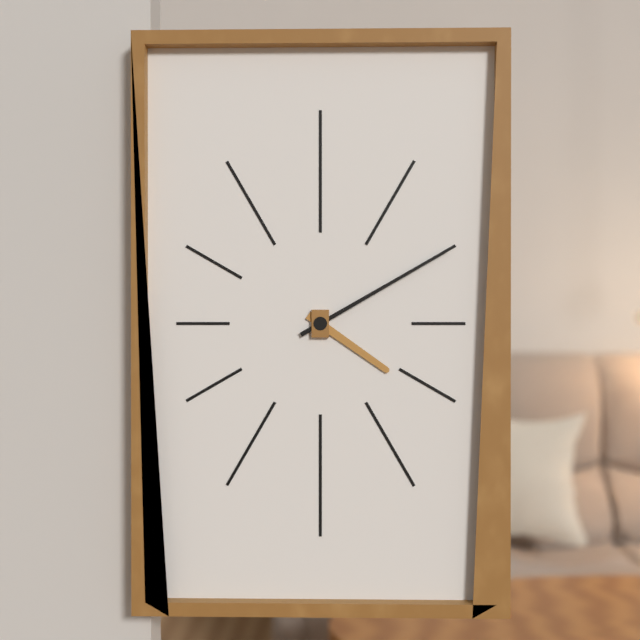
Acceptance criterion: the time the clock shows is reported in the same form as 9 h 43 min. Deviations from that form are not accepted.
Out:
4 h 10 min
